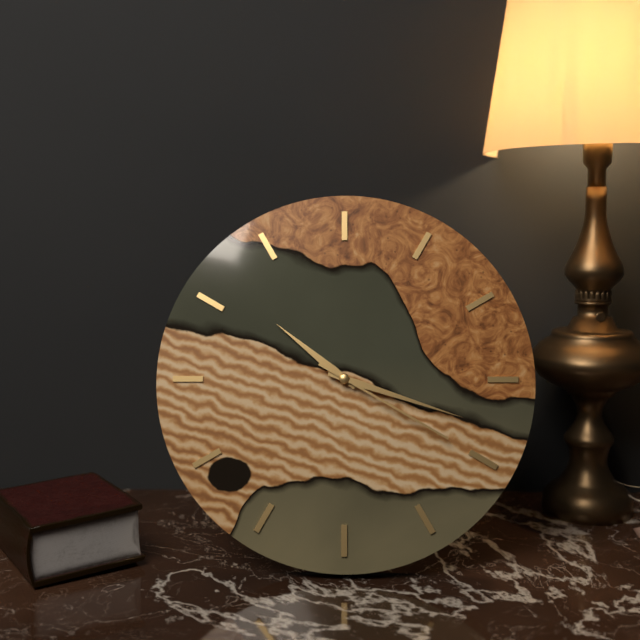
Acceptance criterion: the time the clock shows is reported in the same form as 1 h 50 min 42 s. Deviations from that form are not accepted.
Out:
10 h 18 min 20 s
